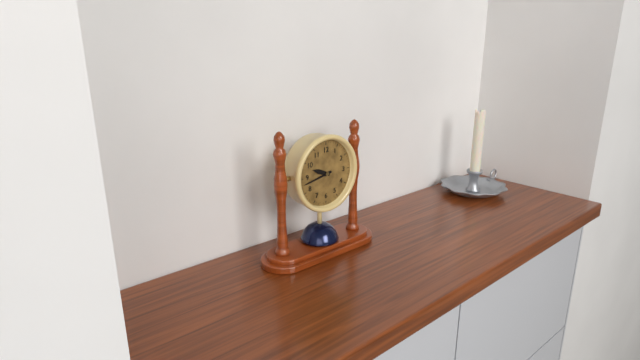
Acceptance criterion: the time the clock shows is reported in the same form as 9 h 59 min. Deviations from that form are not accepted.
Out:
9 h 43 min
